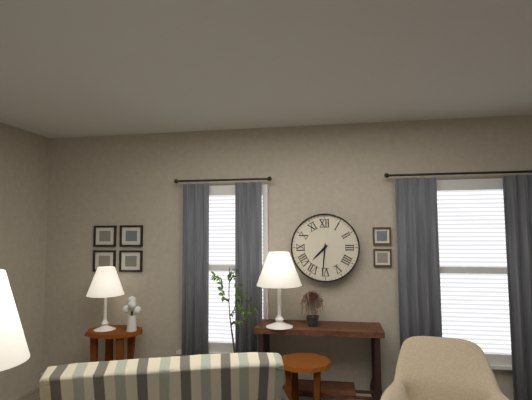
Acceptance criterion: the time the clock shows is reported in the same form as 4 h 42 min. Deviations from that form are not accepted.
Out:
7 h 31 min
